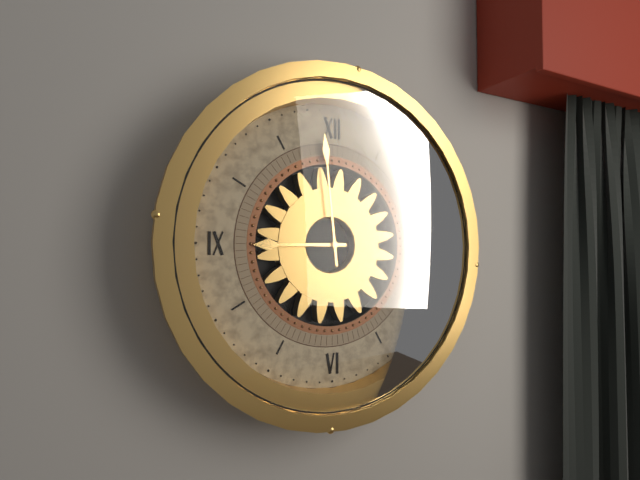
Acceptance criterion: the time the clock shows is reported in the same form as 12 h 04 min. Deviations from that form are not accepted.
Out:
8 h 59 min
